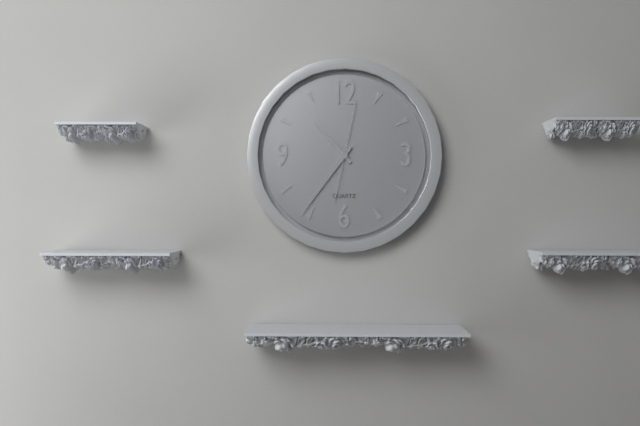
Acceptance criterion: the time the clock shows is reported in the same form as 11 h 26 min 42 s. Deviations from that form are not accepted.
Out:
10 h 36 min 02 s
